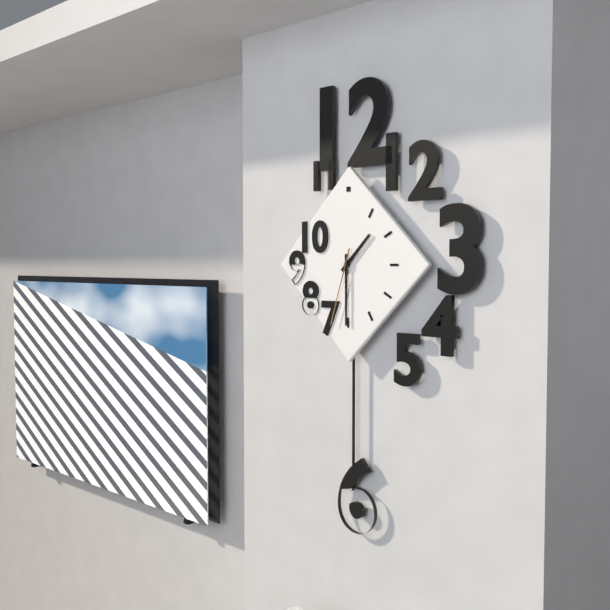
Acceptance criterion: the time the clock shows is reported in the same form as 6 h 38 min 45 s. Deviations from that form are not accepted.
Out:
1 h 30 min 33 s
